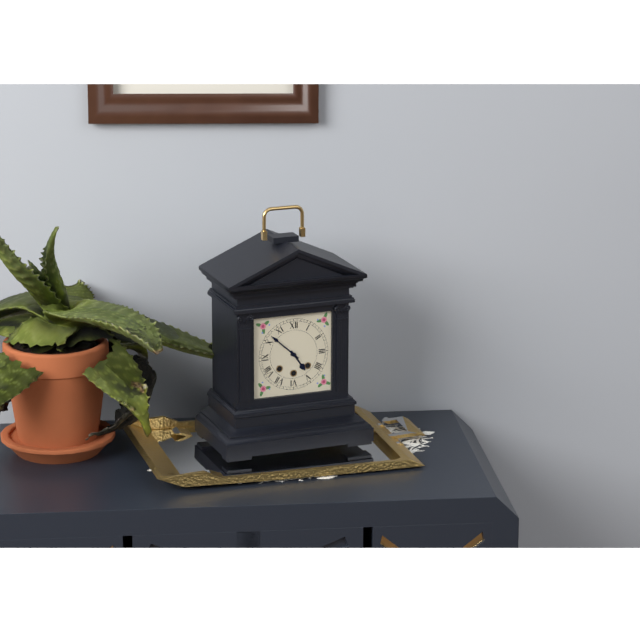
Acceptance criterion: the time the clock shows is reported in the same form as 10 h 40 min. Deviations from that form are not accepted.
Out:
4 h 52 min
